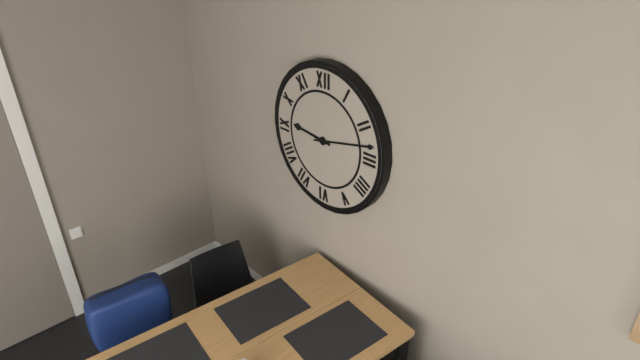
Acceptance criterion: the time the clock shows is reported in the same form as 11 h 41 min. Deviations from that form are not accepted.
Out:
9 h 13 min
